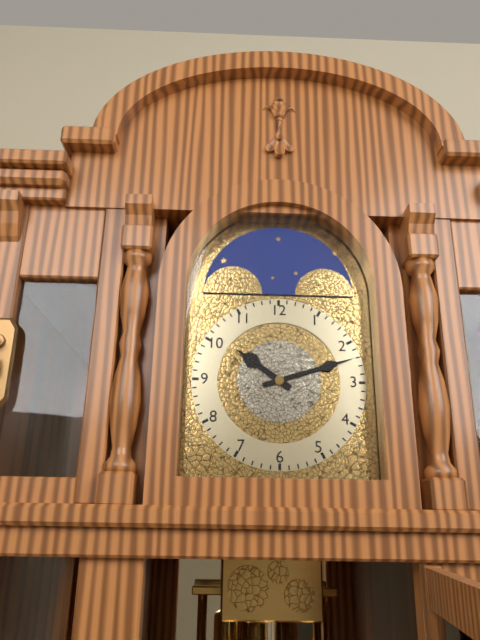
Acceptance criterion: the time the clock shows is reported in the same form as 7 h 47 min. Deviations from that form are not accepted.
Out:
10 h 12 min
